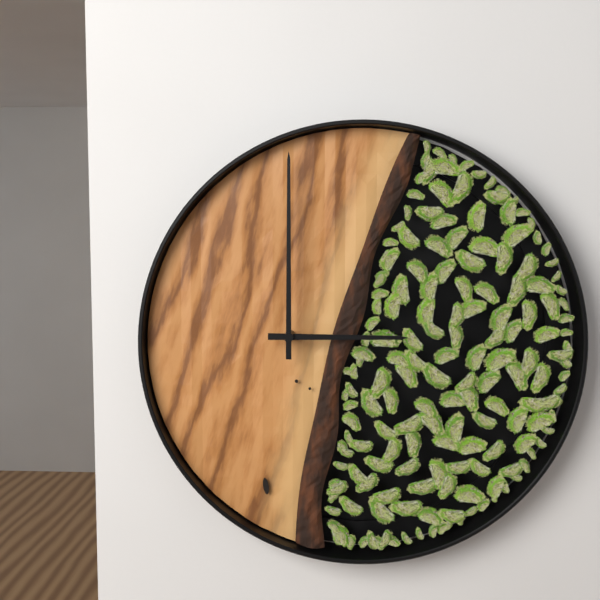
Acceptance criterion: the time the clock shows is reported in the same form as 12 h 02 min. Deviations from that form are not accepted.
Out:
3 h 00 min
